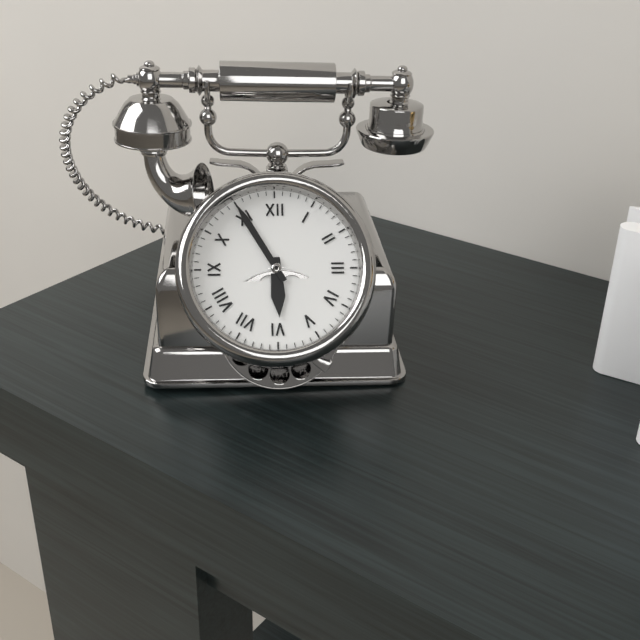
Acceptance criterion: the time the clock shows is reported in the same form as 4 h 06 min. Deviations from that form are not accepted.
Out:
5 h 55 min
